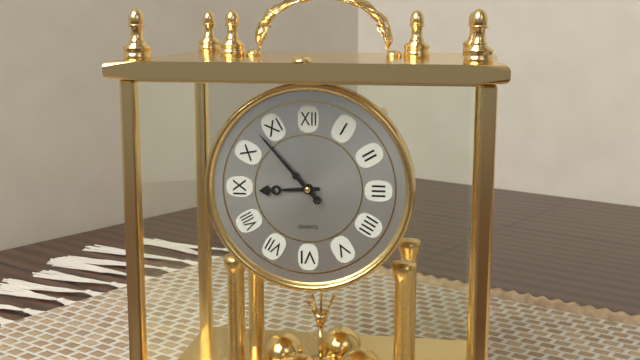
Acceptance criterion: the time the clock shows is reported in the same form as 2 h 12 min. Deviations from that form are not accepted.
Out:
8 h 53 min
